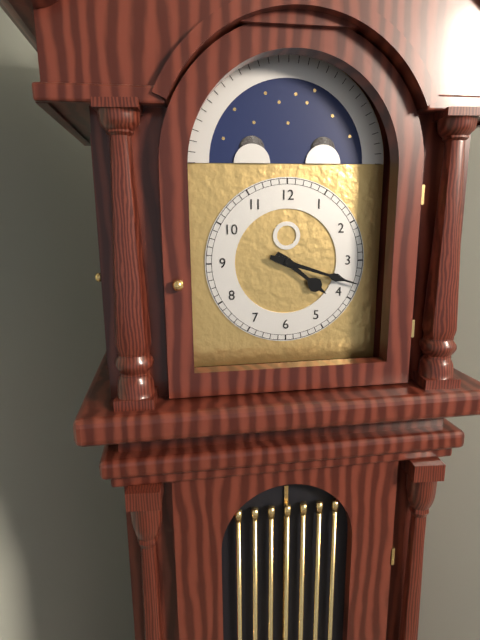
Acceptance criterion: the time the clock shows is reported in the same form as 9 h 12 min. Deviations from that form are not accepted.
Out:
4 h 18 min
